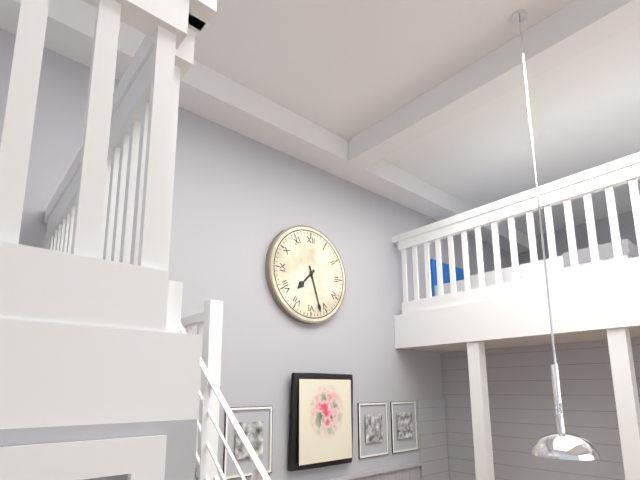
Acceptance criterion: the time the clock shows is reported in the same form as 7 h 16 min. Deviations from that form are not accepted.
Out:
7 h 27 min
